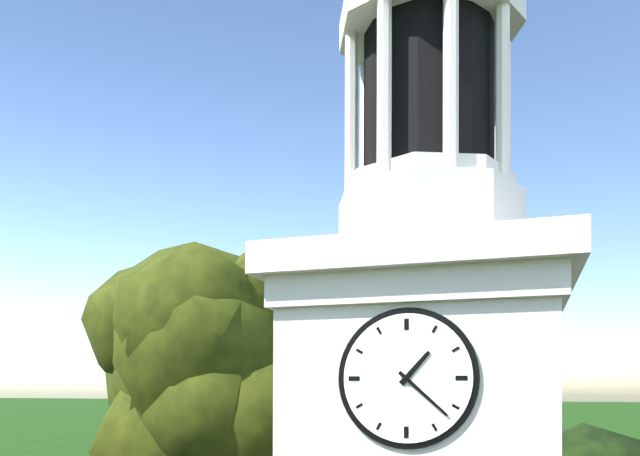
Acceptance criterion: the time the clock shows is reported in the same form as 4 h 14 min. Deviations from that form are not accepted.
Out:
1 h 22 min
